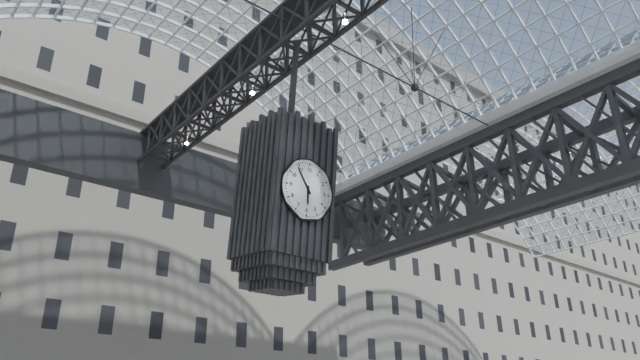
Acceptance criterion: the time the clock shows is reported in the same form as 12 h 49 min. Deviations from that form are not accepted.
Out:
5 h 54 min
